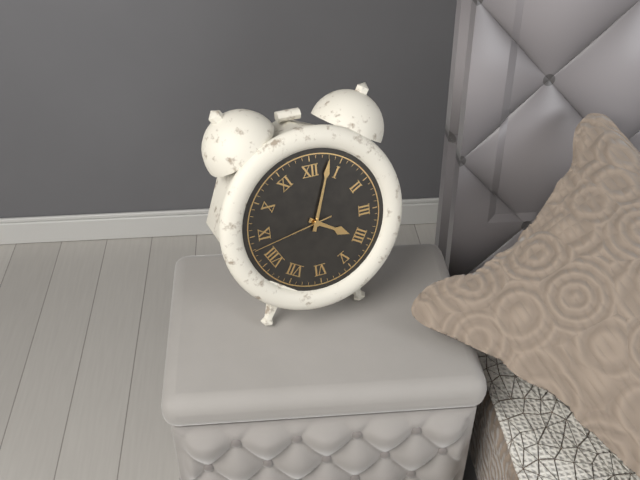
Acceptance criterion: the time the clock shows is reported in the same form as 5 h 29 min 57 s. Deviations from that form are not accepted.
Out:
4 h 03 min 43 s
